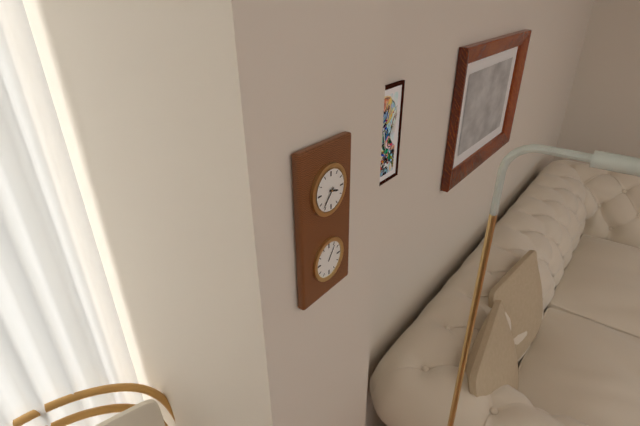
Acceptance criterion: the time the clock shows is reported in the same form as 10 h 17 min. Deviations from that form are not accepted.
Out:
3 h 37 min
